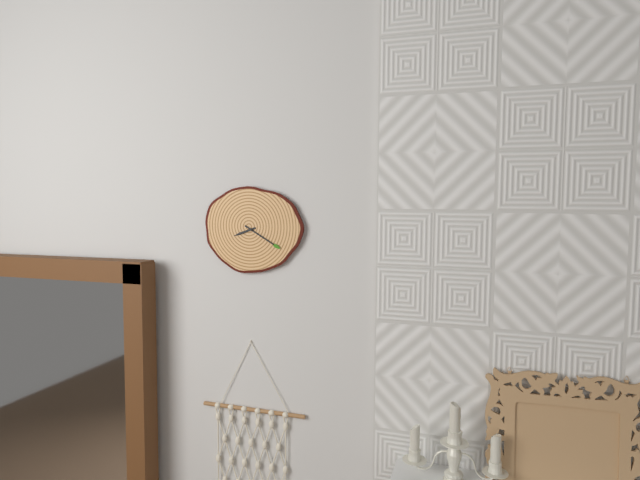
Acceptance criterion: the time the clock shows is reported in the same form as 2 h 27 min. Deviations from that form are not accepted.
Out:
8 h 20 min
